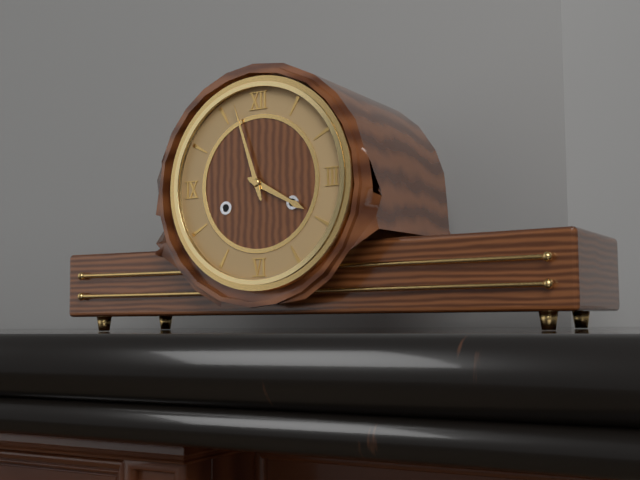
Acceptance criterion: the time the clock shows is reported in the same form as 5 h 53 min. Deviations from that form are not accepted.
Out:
3 h 57 min
